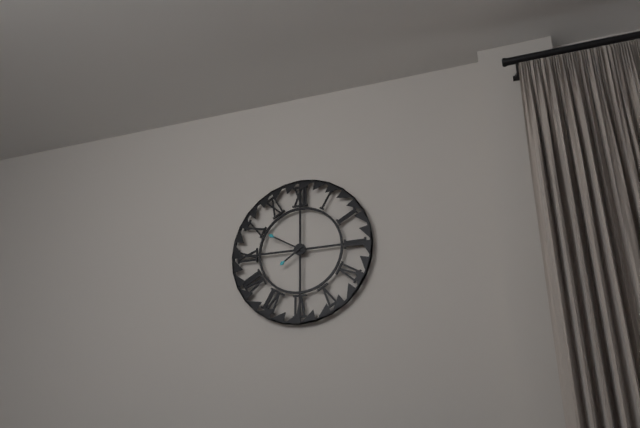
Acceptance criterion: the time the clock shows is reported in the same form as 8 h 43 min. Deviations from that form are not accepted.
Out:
7 h 50 min
